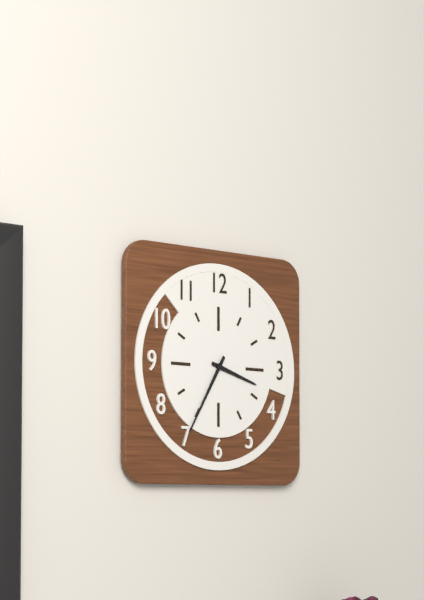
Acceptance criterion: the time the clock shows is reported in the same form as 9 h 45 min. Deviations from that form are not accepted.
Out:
3 h 35 min
